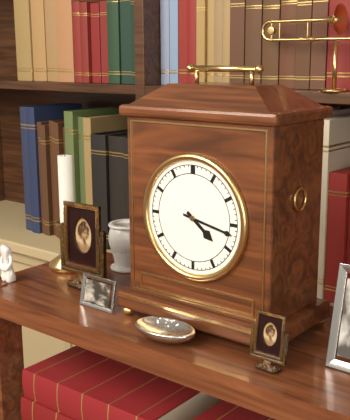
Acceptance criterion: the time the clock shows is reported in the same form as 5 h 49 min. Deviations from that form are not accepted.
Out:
4 h 17 min
